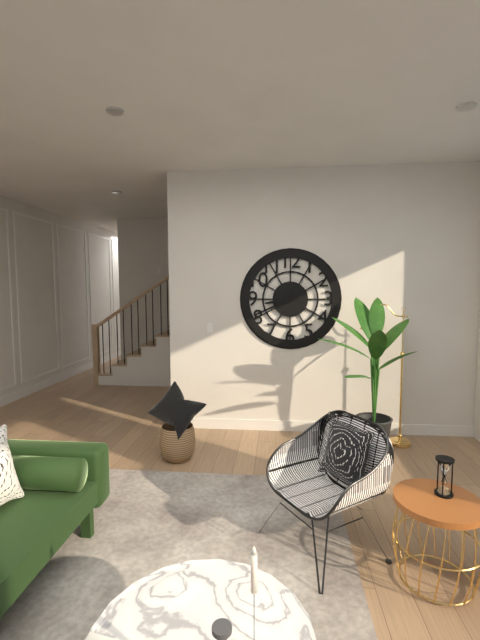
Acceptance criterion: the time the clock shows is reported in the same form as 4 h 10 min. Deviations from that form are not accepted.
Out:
8 h 41 min
